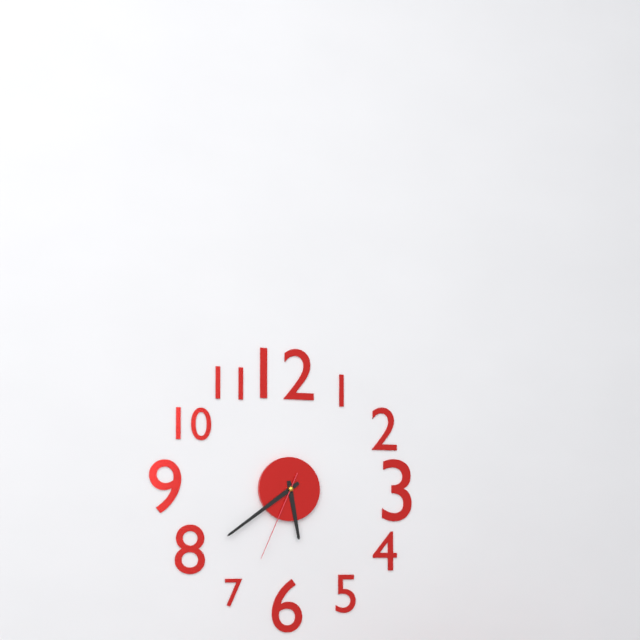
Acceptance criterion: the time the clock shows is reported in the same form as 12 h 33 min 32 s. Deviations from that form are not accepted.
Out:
5 h 39 min 34 s
